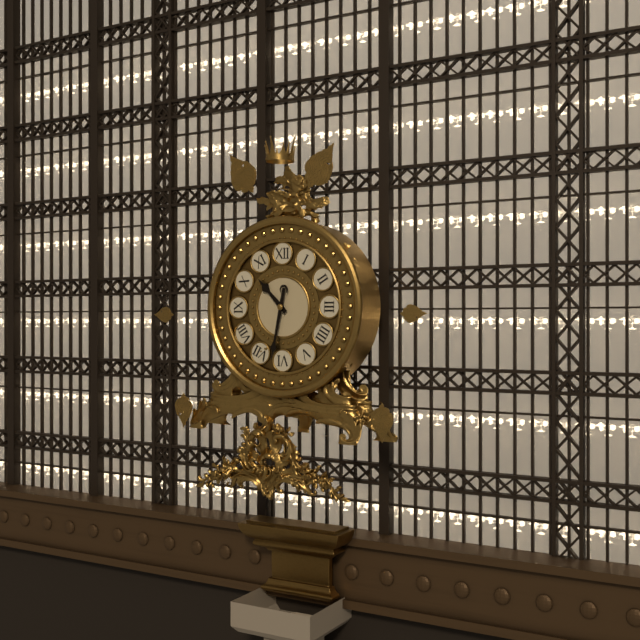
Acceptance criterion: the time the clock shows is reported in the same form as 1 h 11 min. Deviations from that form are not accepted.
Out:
10 h 32 min
